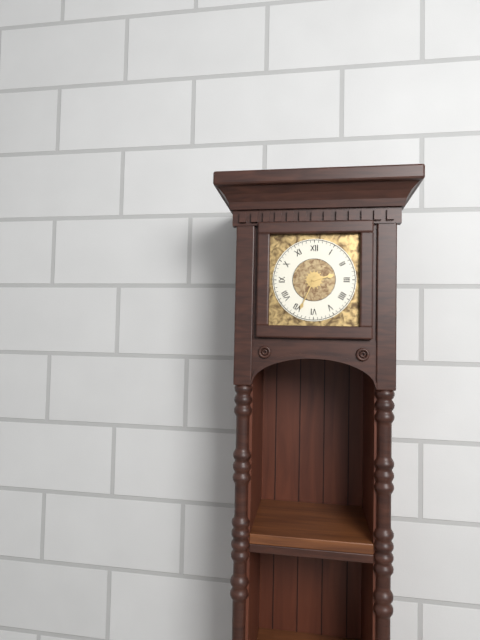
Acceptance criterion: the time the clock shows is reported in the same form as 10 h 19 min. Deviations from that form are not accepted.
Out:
2 h 34 min
